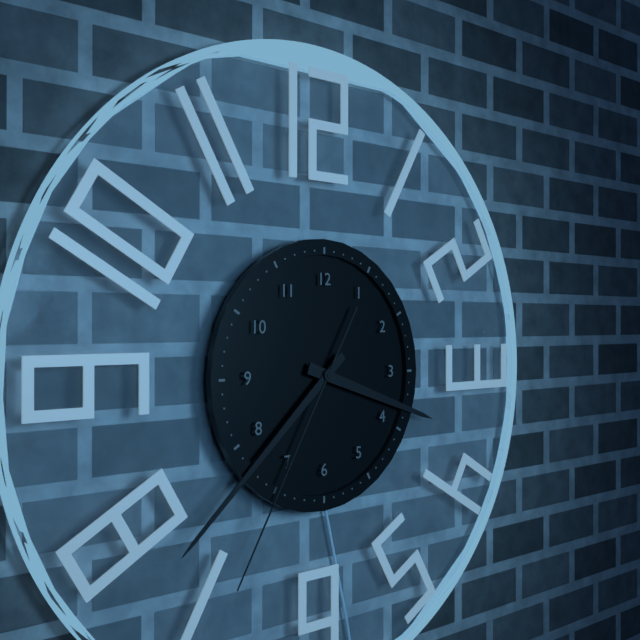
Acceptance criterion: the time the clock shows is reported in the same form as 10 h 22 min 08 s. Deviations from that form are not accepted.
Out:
3 h 38 min 35 s
